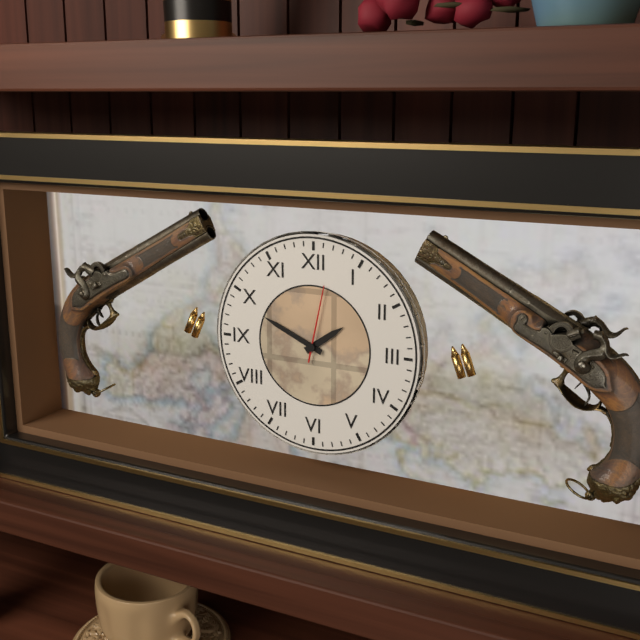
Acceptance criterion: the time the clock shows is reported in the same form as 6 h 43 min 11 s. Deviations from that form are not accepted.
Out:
1 h 49 min 02 s
